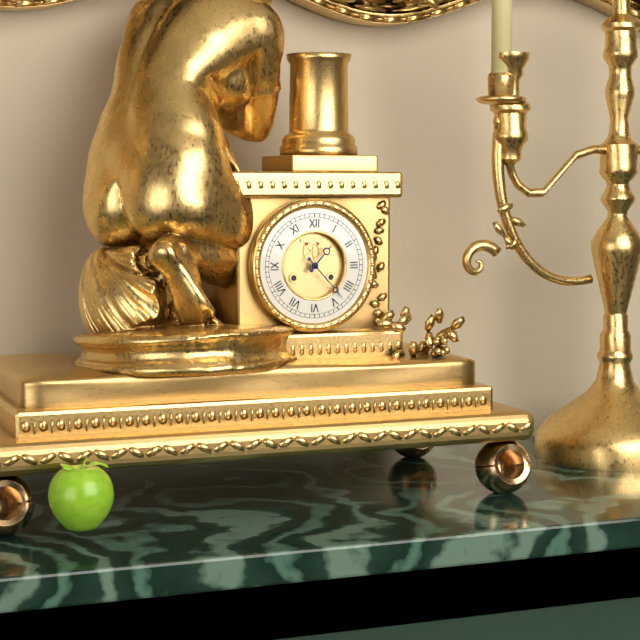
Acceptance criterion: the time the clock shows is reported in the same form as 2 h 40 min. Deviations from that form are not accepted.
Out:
1 h 23 min
